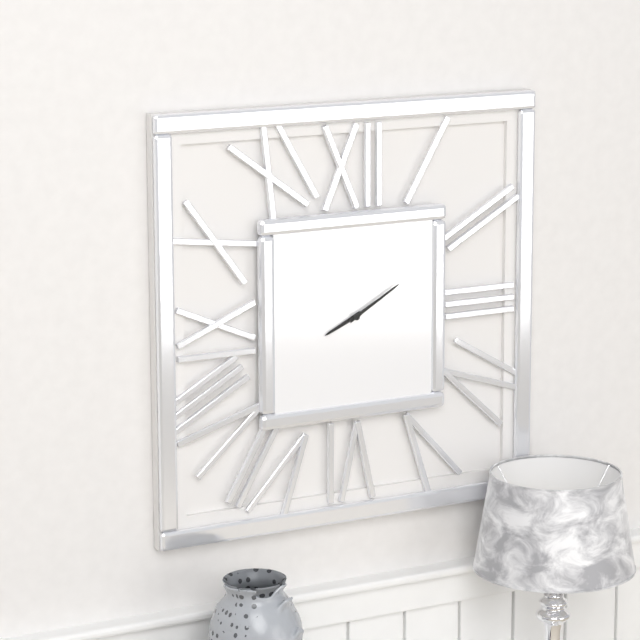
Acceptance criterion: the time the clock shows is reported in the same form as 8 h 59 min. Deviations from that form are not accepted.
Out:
8 h 10 min
